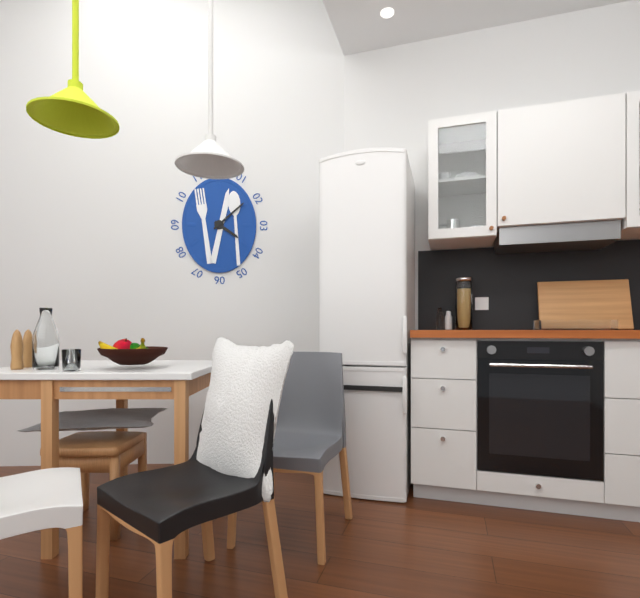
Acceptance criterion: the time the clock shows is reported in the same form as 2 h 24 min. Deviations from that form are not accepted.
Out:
4 h 08 min
